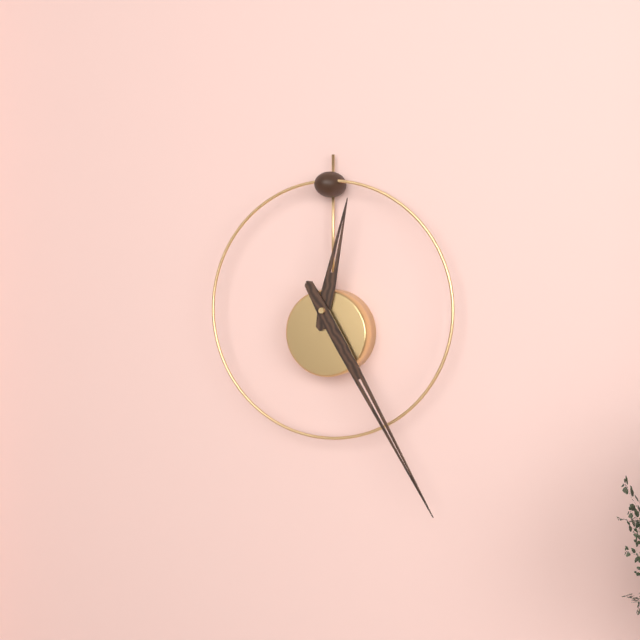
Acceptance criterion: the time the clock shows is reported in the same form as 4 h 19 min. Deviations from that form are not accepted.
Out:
12 h 25 min
